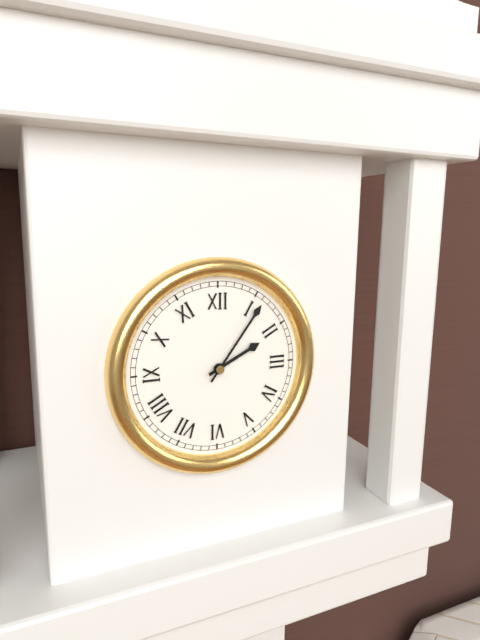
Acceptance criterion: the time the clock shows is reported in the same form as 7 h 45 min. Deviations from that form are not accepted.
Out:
2 h 06 min
